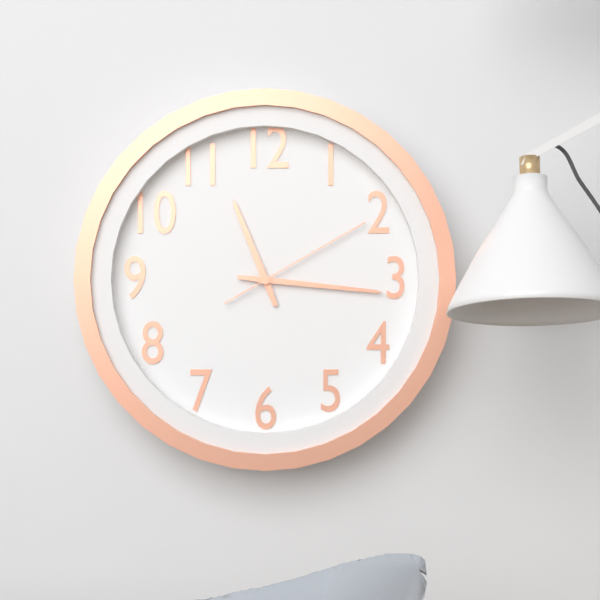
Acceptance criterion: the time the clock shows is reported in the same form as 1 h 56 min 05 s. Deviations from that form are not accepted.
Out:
11 h 16 min 10 s
